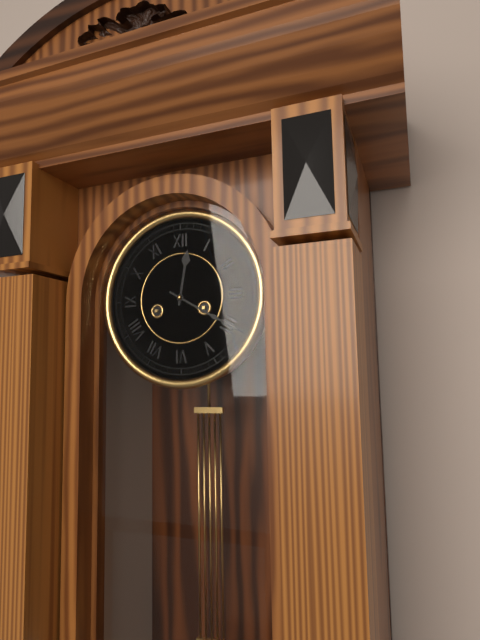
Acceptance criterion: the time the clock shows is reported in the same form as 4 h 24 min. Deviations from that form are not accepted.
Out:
12 h 20 min
